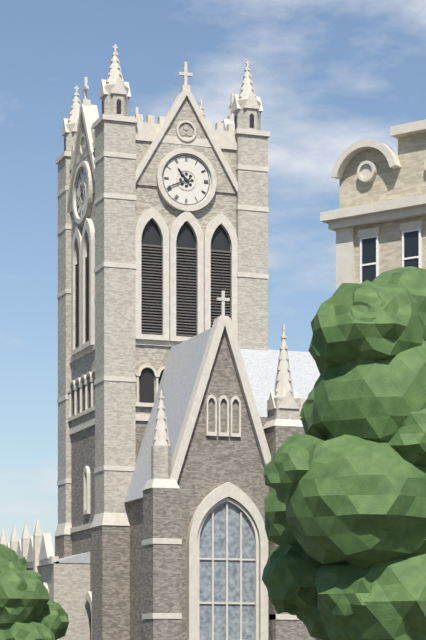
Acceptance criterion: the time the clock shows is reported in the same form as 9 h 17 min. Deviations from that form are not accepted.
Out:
10 h 41 min
